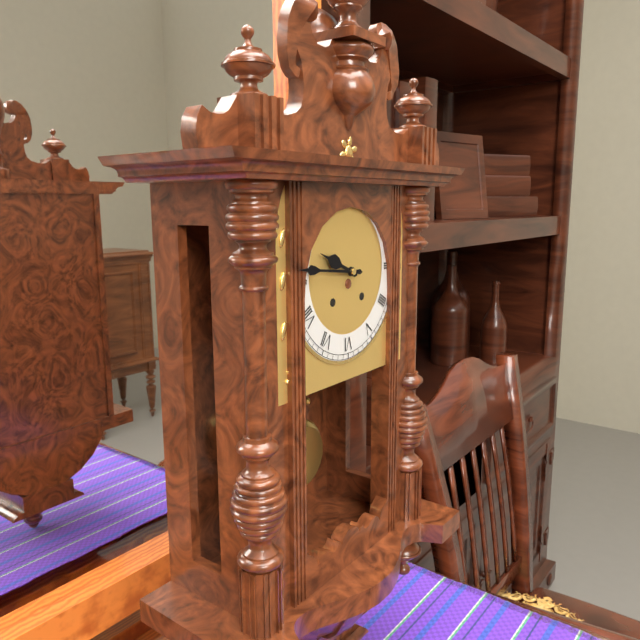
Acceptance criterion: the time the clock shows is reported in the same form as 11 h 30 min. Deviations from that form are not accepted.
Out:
9 h 46 min
